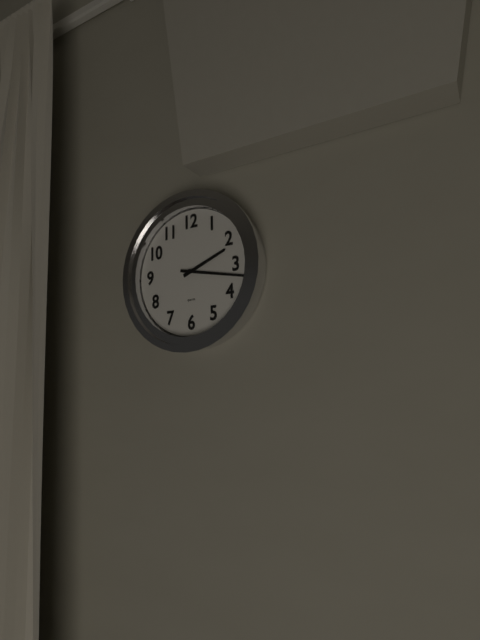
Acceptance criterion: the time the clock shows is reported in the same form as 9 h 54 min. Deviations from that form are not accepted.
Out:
2 h 17 min
